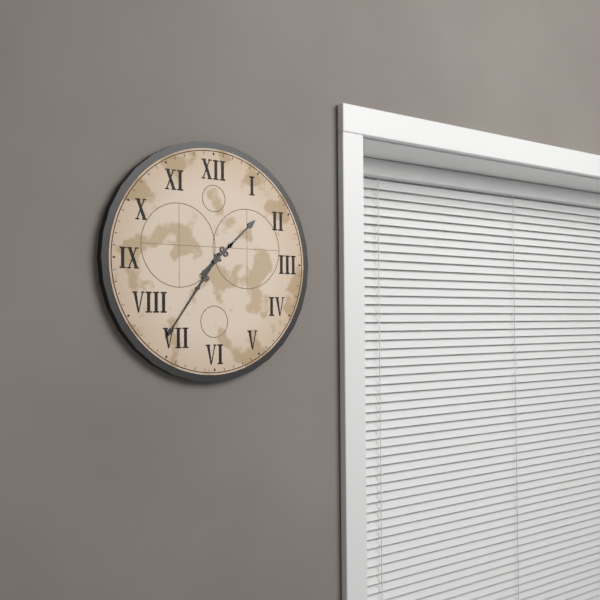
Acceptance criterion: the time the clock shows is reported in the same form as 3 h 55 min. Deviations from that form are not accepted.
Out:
1 h 36 min
